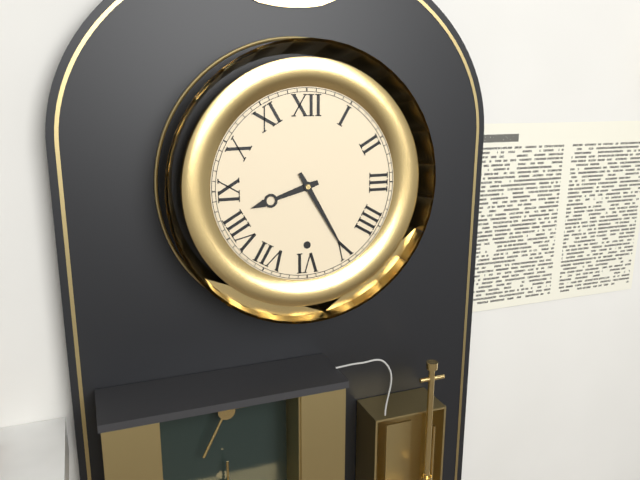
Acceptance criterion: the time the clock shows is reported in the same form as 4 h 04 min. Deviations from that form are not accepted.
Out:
8 h 25 min
